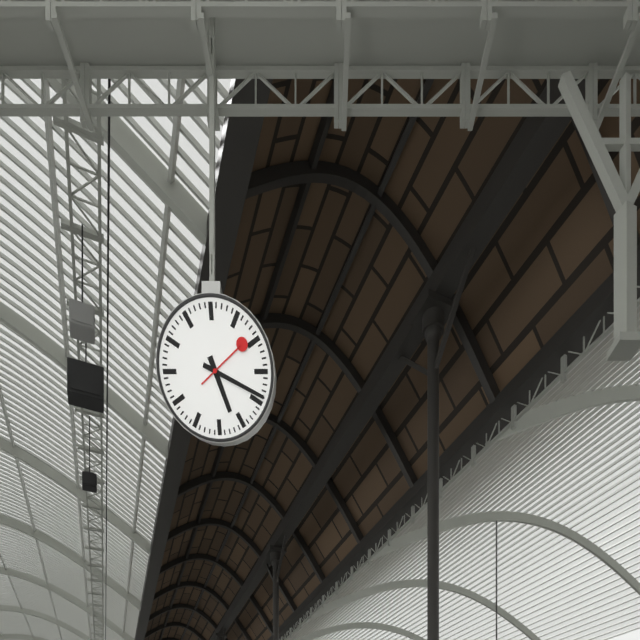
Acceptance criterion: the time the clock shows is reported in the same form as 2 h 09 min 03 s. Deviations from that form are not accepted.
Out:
5 h 19 min 09 s
